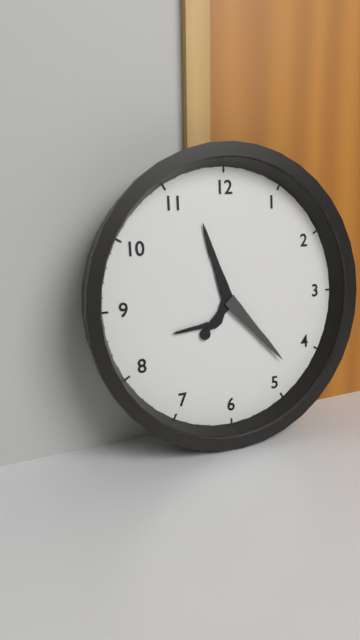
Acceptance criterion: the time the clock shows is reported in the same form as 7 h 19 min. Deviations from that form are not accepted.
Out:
11 h 23 min
